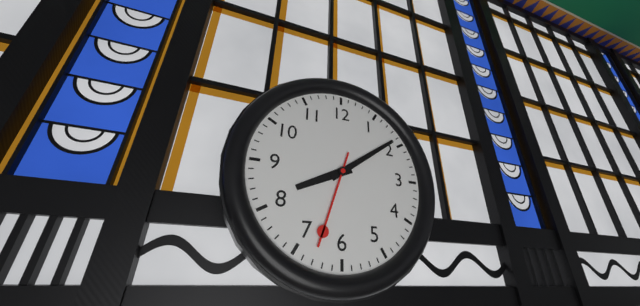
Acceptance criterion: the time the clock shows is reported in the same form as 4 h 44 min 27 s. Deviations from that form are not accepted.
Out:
8 h 09 min 33 s
